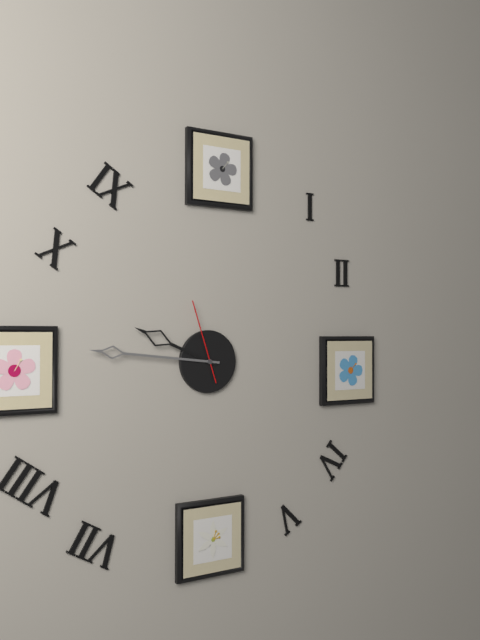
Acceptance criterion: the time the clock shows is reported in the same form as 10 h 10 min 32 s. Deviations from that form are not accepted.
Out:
9 h 46 min 57 s
